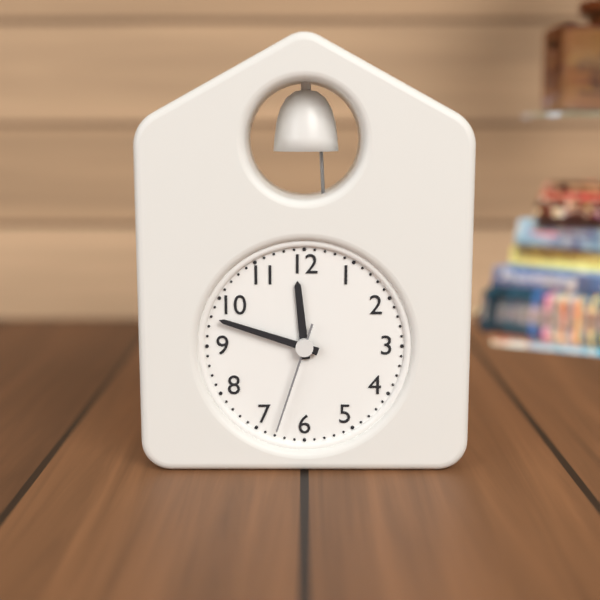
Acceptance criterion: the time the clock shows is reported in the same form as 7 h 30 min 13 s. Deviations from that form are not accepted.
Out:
11 h 48 min 33 s
